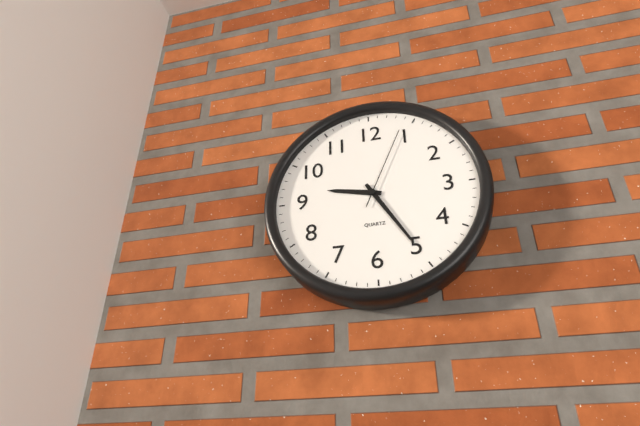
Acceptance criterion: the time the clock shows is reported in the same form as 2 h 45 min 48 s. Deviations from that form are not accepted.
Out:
9 h 25 min 04 s
